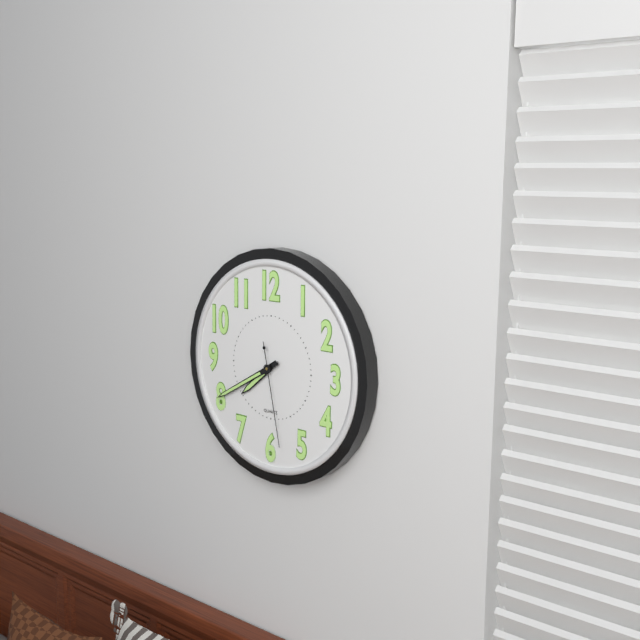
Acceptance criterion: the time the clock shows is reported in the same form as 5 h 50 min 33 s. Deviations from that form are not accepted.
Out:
7 h 40 min 28 s
